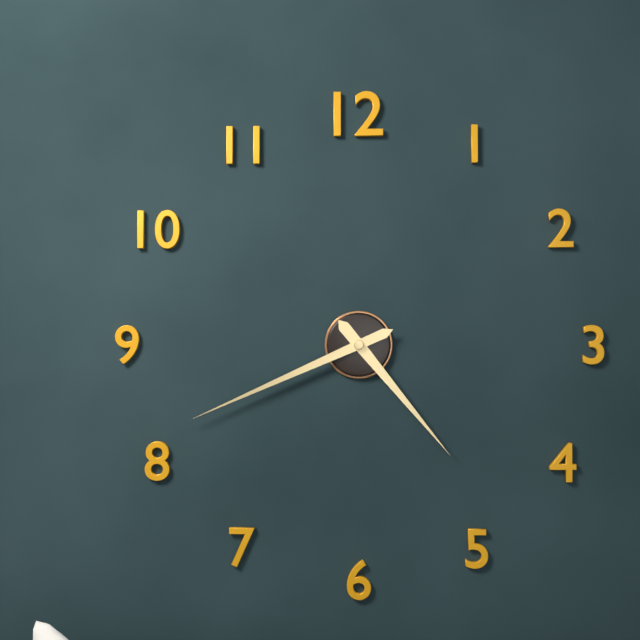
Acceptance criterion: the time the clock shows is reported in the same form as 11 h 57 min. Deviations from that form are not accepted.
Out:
4 h 41 min
